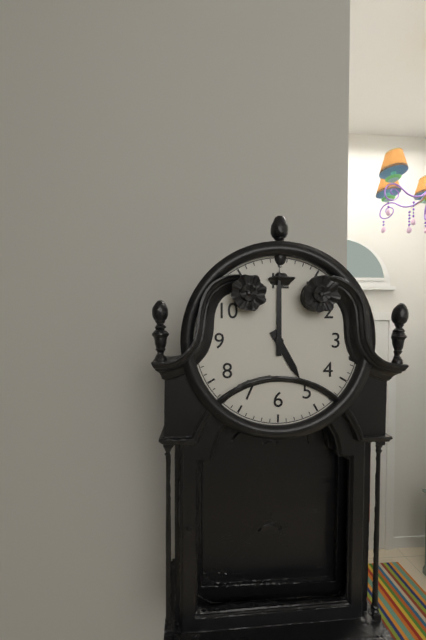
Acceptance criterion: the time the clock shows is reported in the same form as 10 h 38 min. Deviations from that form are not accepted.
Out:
5 h 00 min
